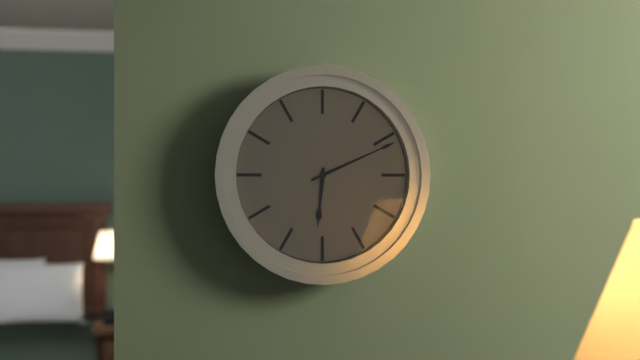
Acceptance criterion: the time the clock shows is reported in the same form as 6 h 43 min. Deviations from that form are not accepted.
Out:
6 h 11 min
